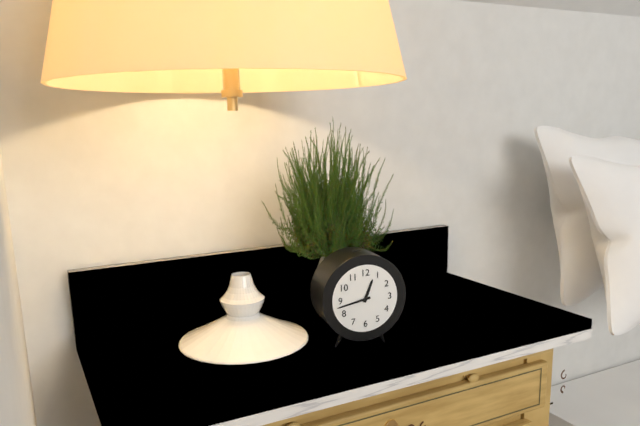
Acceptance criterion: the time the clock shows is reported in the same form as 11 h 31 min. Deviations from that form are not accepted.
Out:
12 h 43 min
